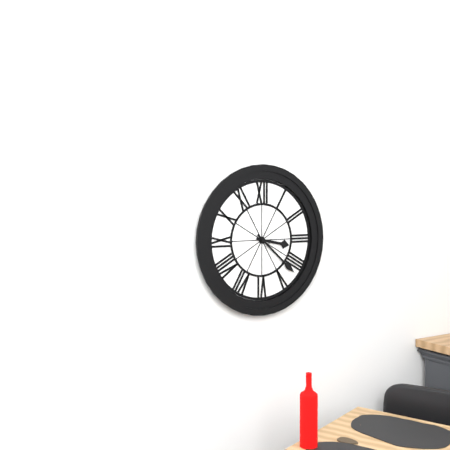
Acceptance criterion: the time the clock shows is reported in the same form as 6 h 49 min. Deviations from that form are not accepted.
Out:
3 h 22 min
